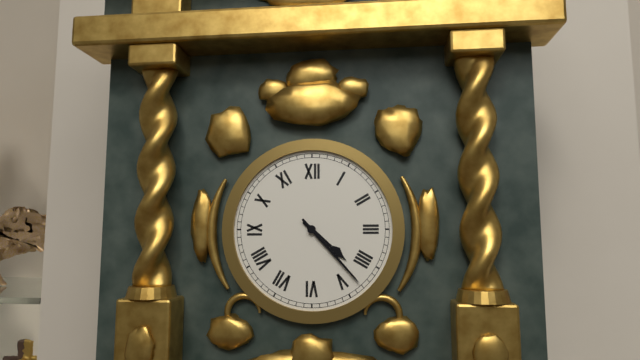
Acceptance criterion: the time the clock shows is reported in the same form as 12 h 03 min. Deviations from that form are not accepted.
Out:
4 h 23 min
